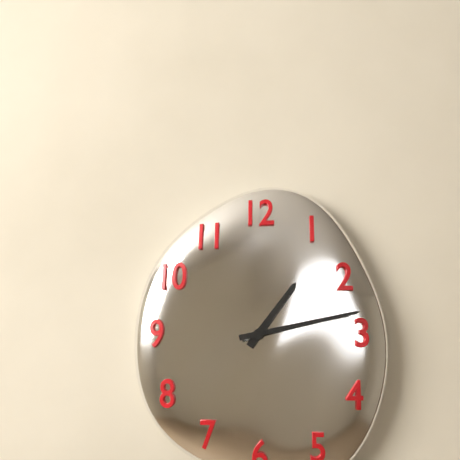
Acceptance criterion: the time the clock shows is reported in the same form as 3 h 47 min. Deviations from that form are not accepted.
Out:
1 h 13 min
